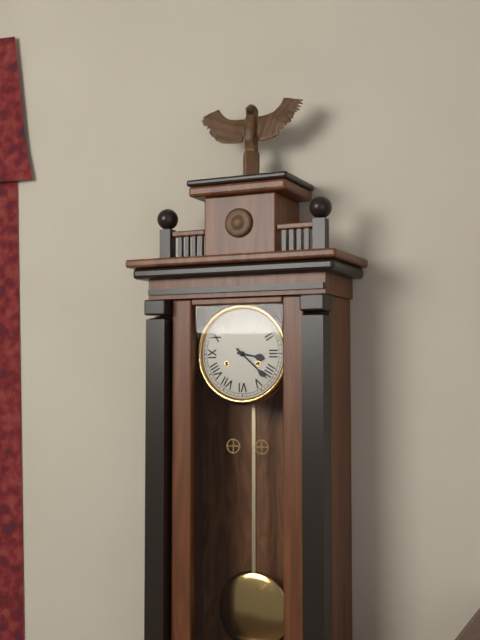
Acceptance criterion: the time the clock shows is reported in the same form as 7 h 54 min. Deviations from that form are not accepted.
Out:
3 h 22 min
